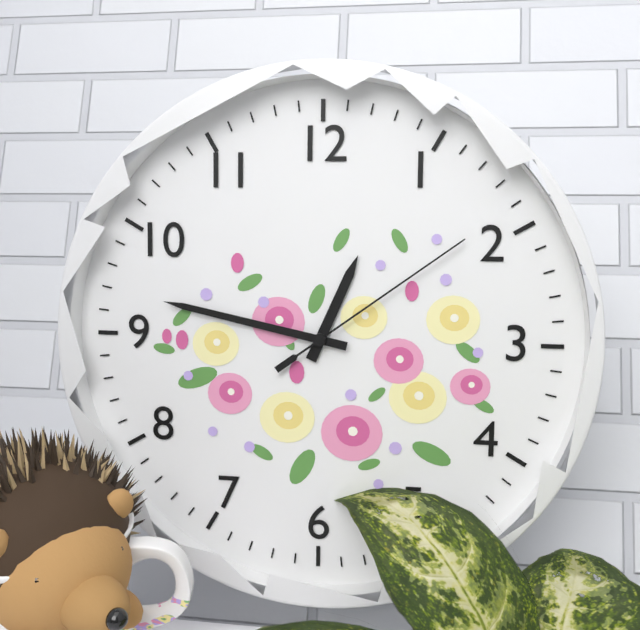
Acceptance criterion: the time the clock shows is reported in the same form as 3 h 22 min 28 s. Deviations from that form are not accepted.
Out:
12 h 47 min 09 s
